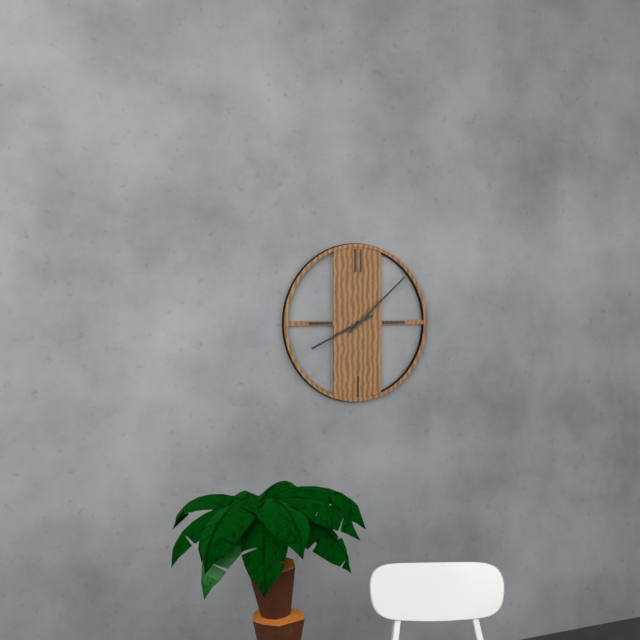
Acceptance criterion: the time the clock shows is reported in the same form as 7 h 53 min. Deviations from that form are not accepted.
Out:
8 h 08 min
